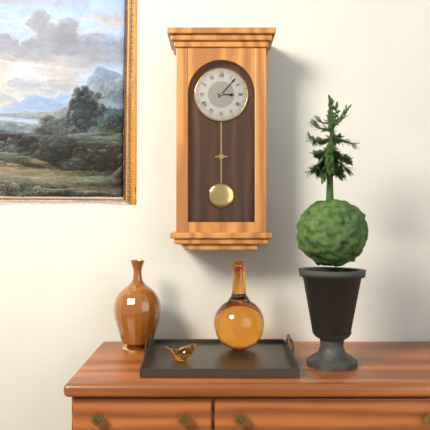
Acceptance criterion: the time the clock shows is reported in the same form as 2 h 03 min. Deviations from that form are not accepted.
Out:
3 h 07 min
